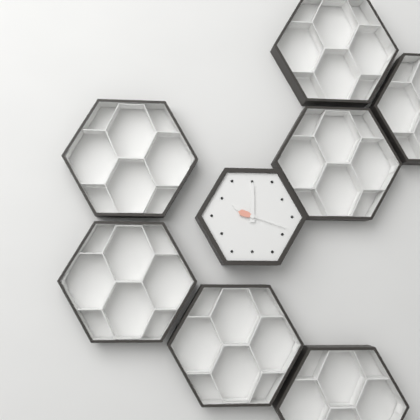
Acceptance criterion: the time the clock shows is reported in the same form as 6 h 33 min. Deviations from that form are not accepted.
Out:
10 h 00 min
